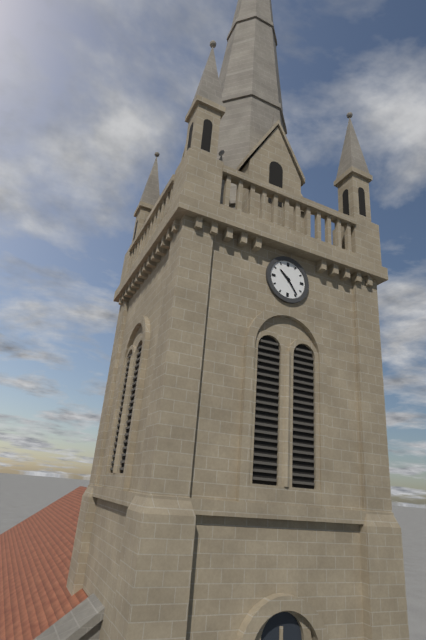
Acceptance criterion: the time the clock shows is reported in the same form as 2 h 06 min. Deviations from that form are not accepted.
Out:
10 h 24 min
